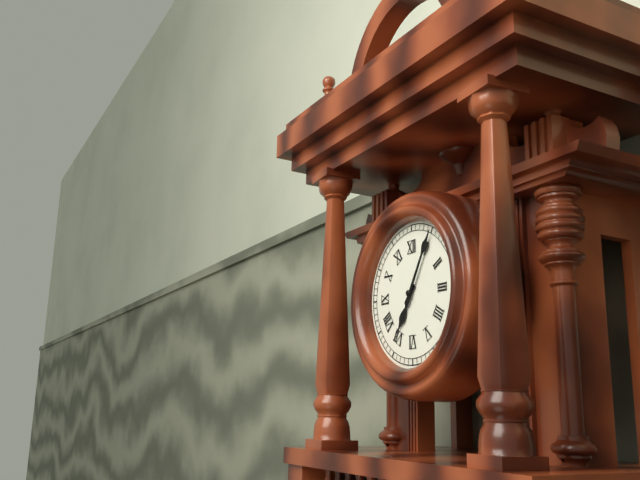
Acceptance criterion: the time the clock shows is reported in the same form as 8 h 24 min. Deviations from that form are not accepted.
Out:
7 h 05 min
